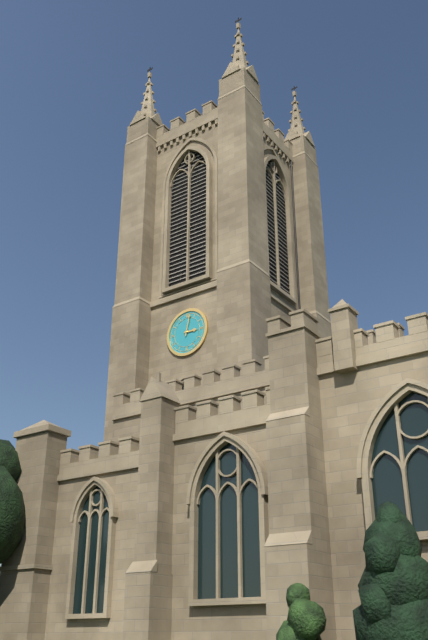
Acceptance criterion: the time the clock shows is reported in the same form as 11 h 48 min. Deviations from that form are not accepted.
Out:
3 h 02 min
